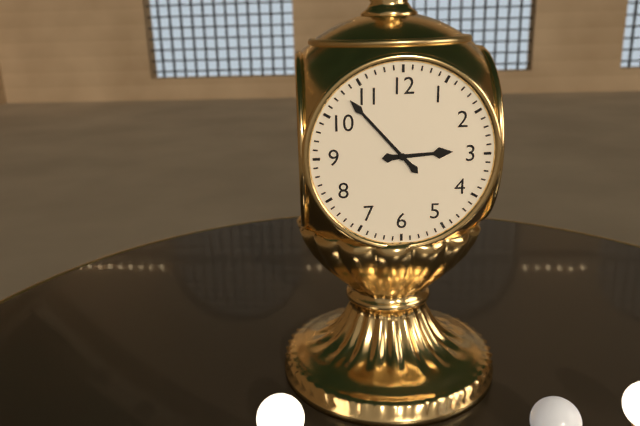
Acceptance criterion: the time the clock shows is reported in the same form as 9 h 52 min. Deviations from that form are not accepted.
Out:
2 h 53 min
